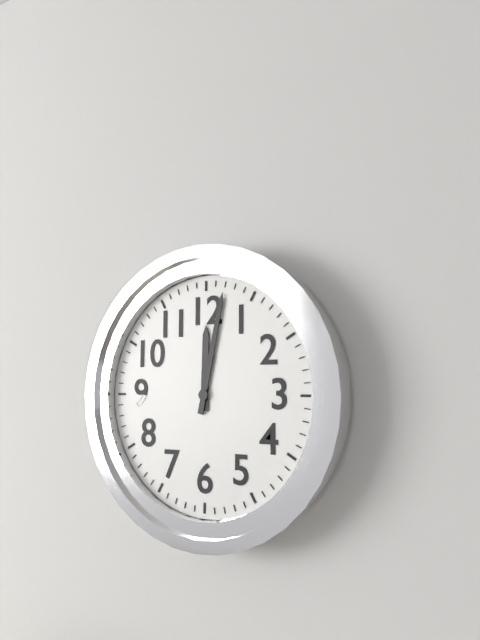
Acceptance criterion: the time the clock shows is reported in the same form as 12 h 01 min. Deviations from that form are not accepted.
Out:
12 h 02 min
